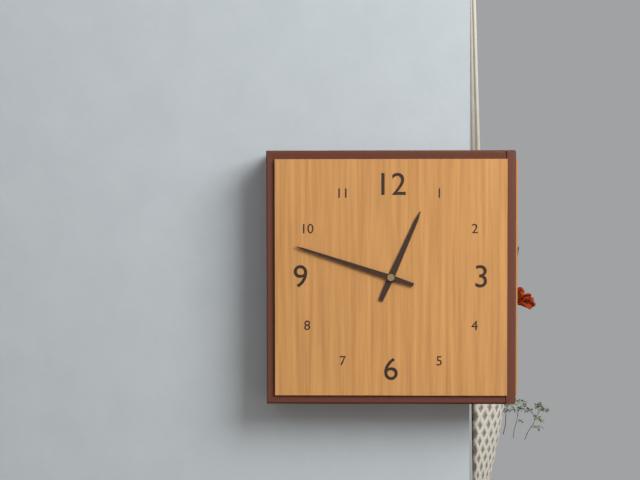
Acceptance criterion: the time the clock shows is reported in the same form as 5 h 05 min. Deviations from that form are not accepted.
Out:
12 h 48 min
